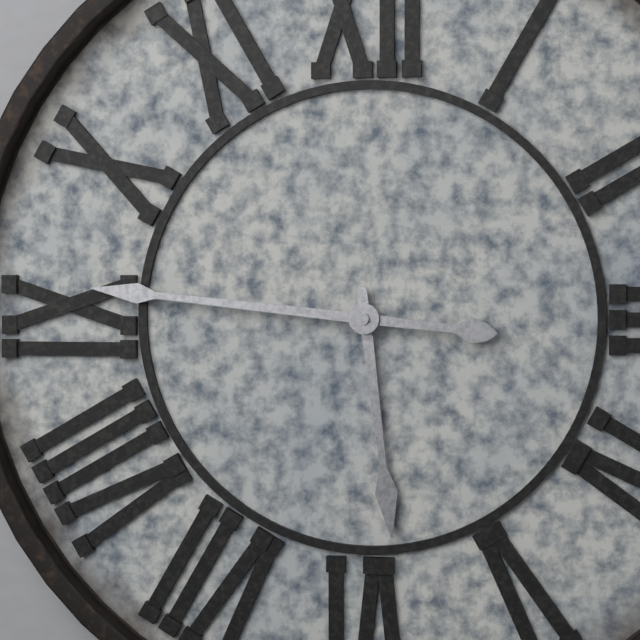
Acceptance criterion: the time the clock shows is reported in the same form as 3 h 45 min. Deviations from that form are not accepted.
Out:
5 h 46 min
